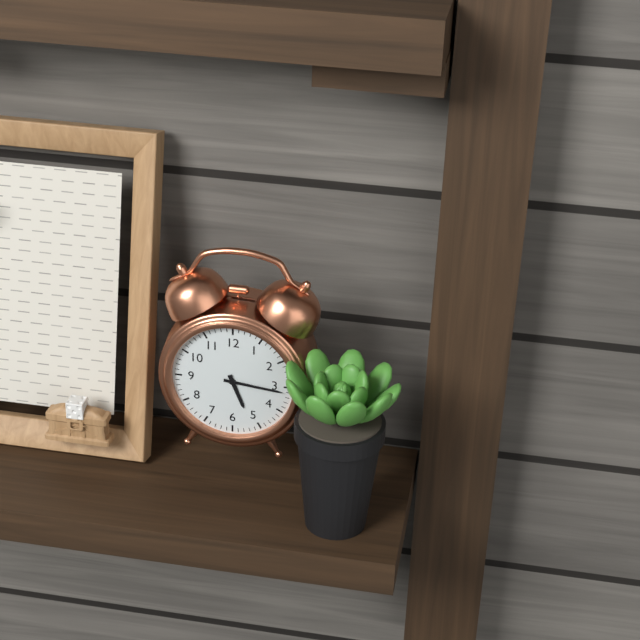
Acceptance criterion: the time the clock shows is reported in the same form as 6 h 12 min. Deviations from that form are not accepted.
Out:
5 h 16 min
